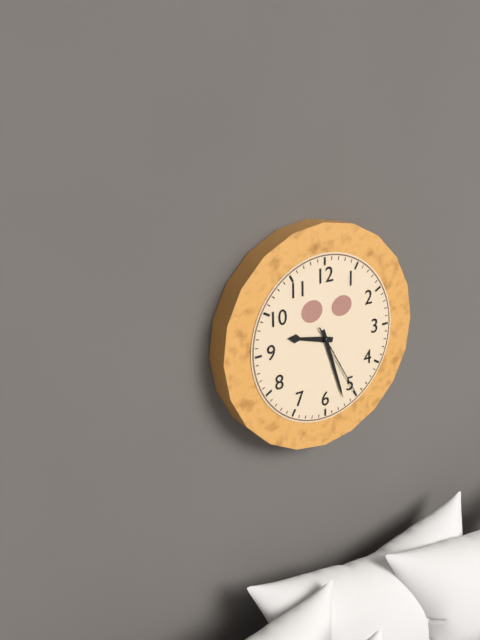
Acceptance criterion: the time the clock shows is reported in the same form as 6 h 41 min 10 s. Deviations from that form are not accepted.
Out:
9 h 27 min 25 s
